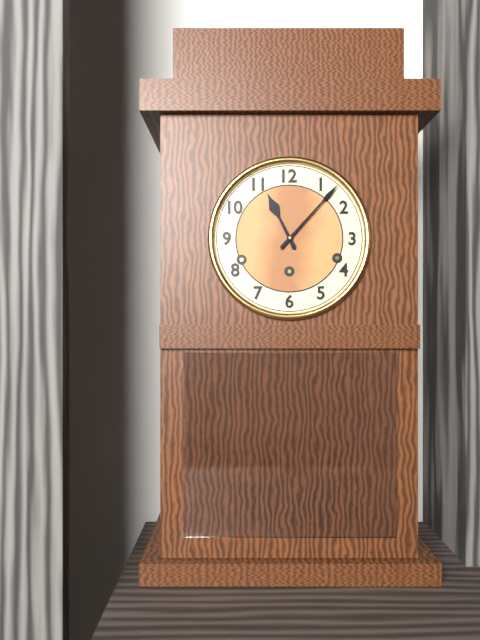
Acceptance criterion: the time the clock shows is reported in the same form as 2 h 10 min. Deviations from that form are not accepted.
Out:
11 h 07 min
